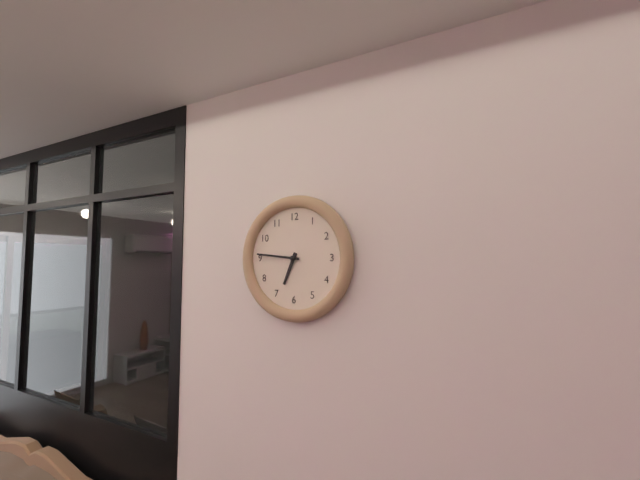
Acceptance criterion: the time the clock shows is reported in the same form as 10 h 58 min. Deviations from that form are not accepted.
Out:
6 h 46 min
